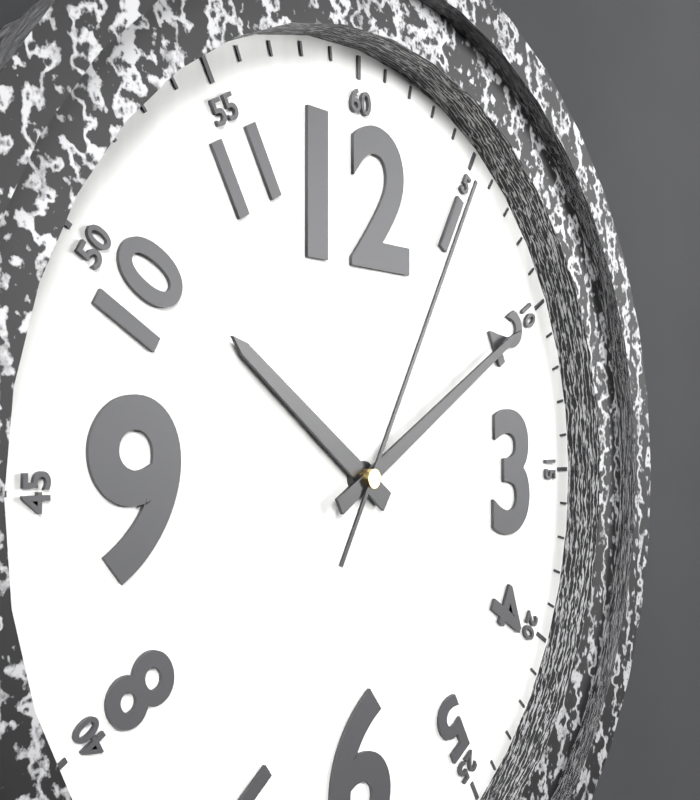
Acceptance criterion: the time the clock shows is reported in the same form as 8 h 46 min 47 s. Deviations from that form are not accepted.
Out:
10 h 10 min 05 s
